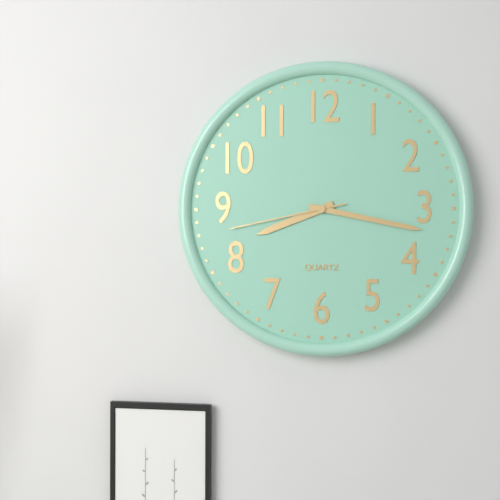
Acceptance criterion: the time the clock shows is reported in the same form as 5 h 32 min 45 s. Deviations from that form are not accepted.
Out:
8 h 17 min 43 s
